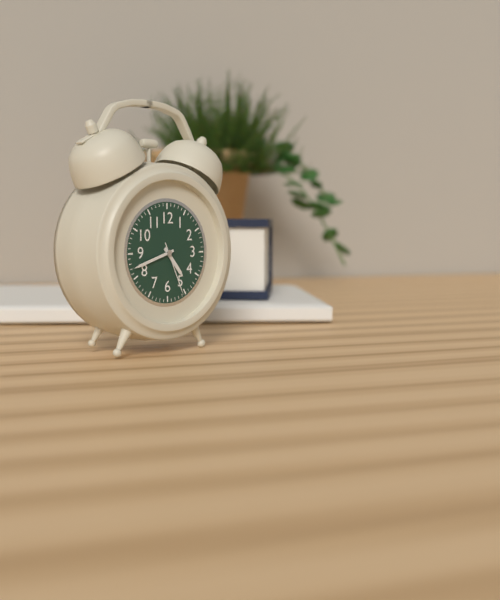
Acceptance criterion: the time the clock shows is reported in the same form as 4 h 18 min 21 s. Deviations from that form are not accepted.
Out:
4 h 42 min 26 s
